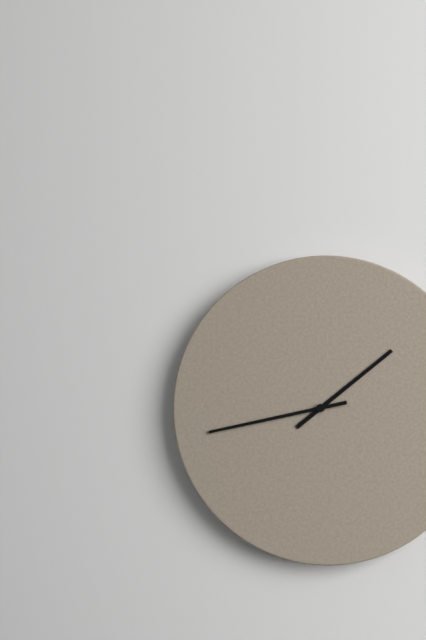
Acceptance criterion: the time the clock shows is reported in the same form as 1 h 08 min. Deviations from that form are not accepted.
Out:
1 h 43 min
